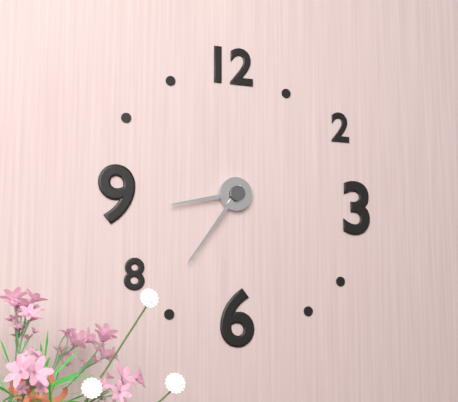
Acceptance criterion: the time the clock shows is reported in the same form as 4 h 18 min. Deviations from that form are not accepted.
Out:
8 h 36 min
